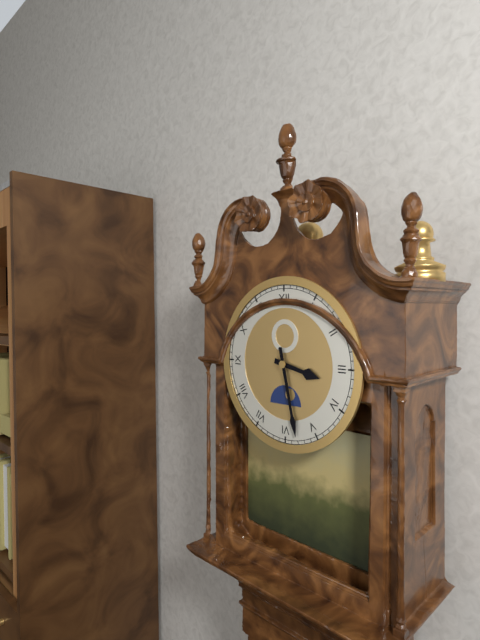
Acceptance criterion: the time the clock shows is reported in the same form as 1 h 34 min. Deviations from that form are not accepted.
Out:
3 h 28 min
